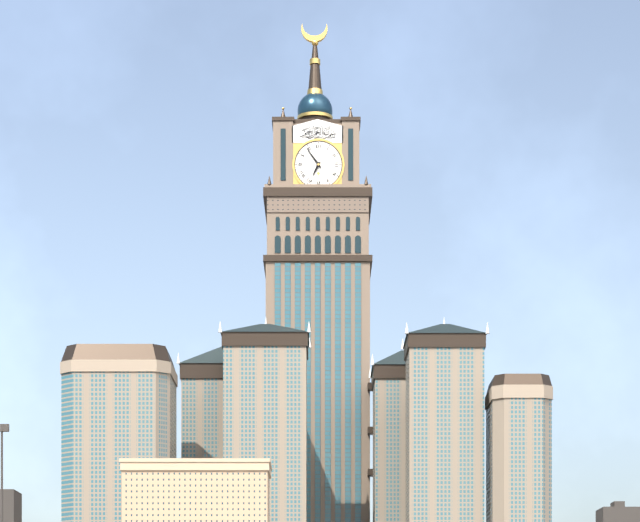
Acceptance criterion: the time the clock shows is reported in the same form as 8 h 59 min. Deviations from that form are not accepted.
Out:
6 h 54 min
